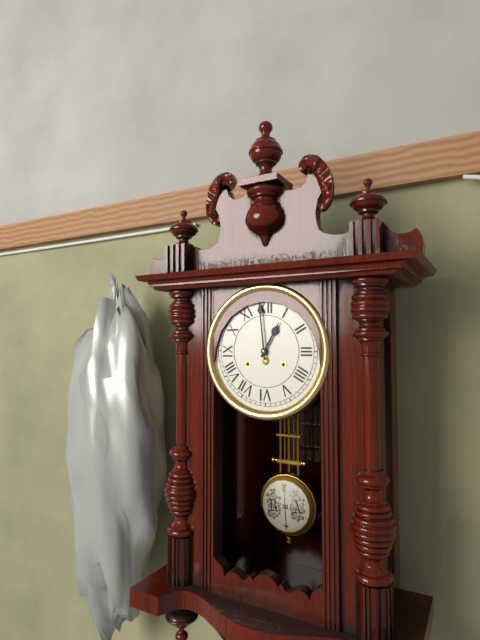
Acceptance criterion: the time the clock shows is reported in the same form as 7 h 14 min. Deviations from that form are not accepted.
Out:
12 h 59 min
